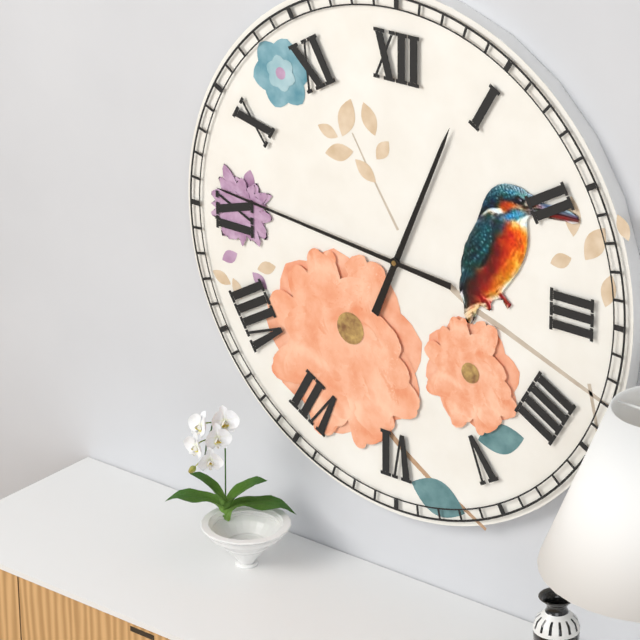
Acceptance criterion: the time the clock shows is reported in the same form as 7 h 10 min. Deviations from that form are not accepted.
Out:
12 h 46 min
